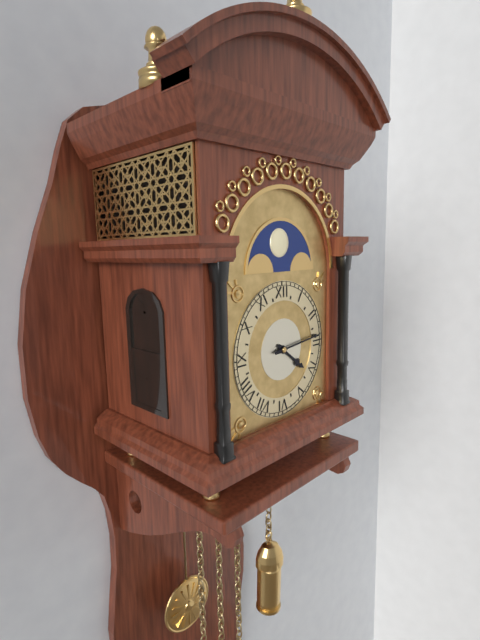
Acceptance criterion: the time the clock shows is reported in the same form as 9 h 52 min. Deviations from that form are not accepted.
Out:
4 h 14 min
